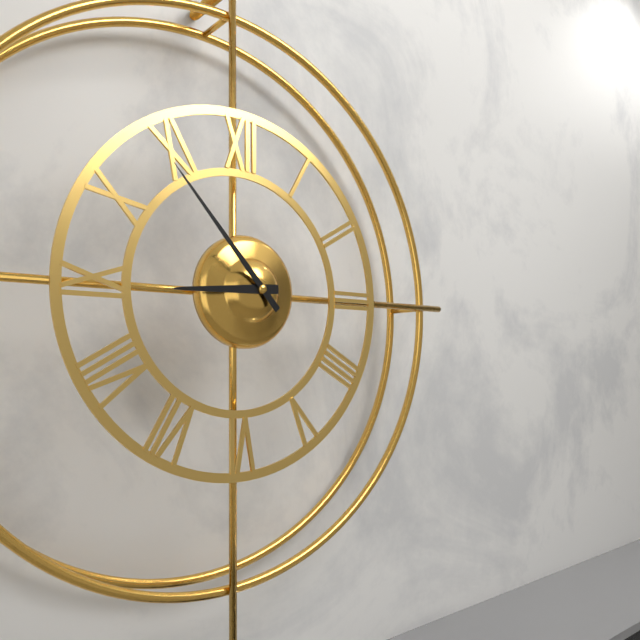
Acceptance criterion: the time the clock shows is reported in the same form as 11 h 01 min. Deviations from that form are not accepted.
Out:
8 h 53 min
